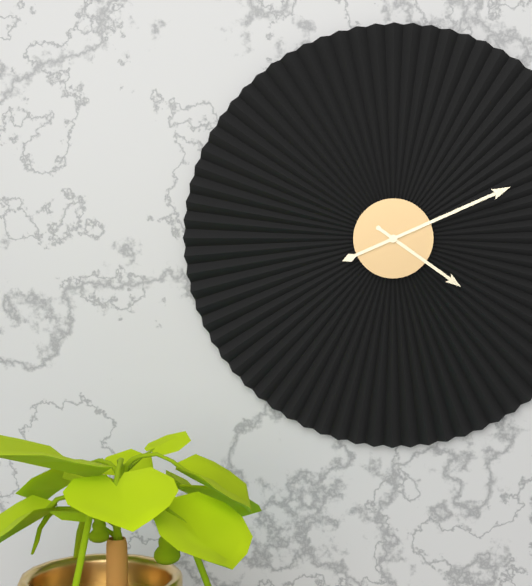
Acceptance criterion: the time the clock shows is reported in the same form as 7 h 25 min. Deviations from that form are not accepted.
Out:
4 h 11 min
